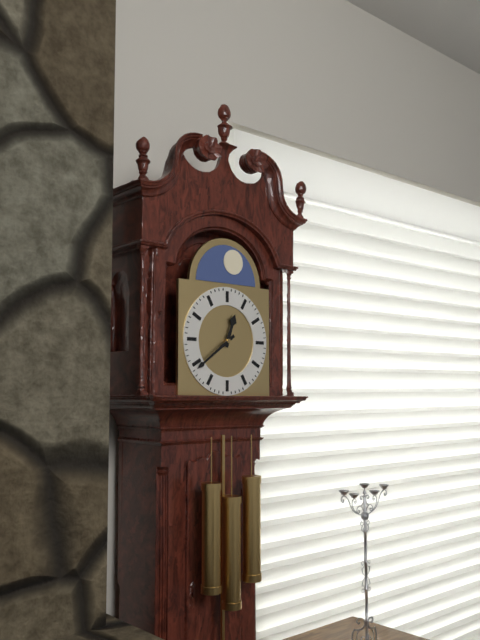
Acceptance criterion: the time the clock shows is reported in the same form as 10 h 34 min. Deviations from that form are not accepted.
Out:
12 h 39 min
